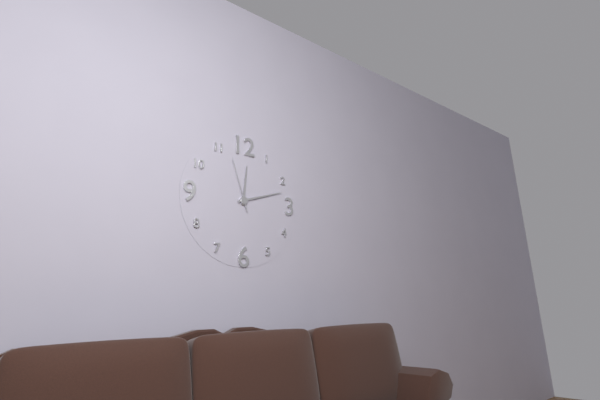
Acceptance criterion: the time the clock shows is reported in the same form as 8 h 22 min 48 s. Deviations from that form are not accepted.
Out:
12 h 12 min 57 s
